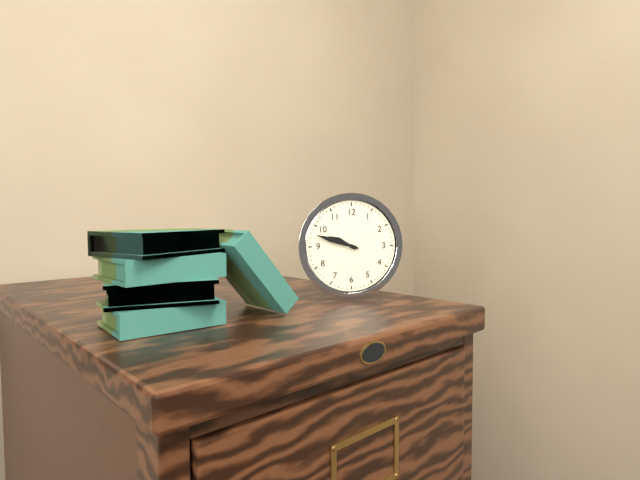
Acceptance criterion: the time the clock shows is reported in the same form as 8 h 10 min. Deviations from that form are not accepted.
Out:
9 h 48 min
